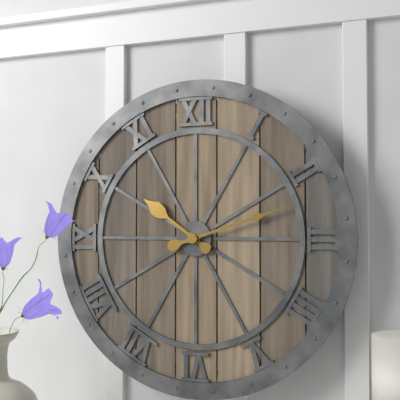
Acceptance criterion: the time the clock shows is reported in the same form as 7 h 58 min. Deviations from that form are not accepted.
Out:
10 h 12 min
